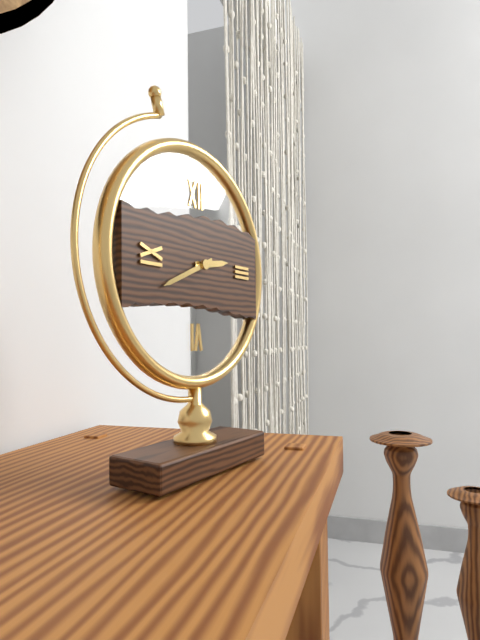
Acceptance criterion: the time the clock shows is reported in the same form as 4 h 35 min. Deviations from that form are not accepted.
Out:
2 h 41 min
